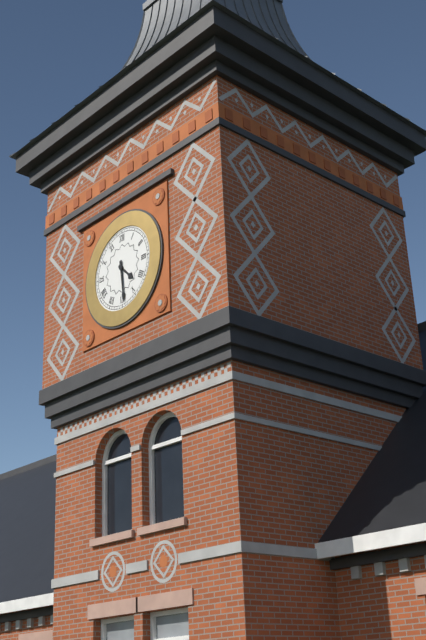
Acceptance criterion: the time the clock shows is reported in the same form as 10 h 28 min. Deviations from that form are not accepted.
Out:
4 h 29 min
